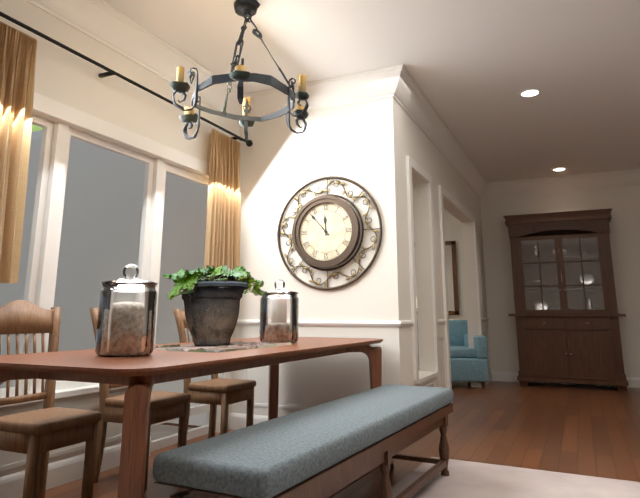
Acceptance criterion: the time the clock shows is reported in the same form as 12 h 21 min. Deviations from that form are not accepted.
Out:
11 h 53 min
